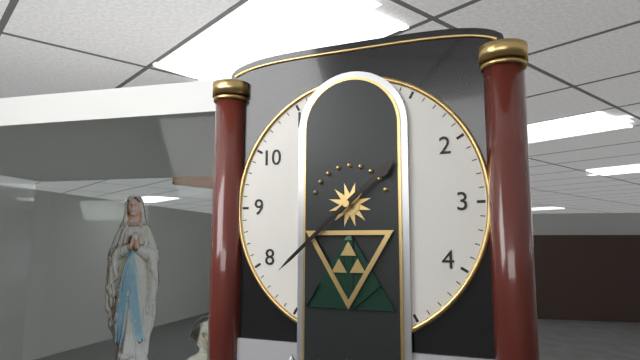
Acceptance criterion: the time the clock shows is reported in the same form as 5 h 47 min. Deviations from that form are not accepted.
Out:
1 h 38 min
